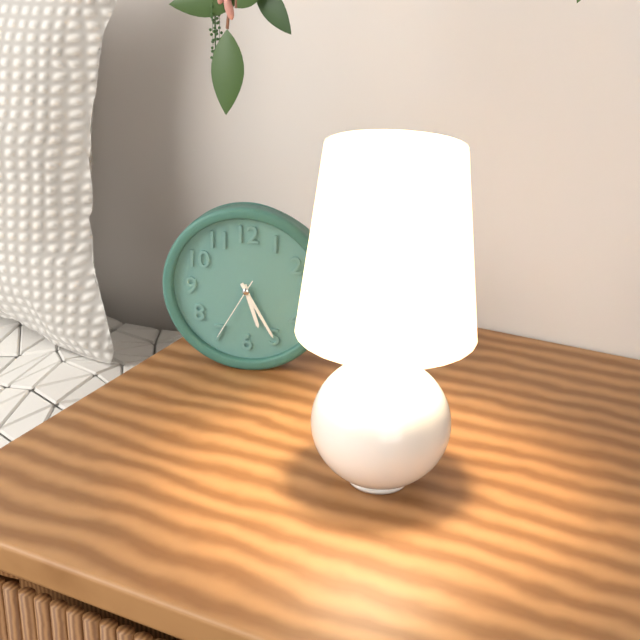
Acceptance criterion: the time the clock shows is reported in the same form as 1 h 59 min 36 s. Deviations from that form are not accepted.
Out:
5 h 25 min 35 s
